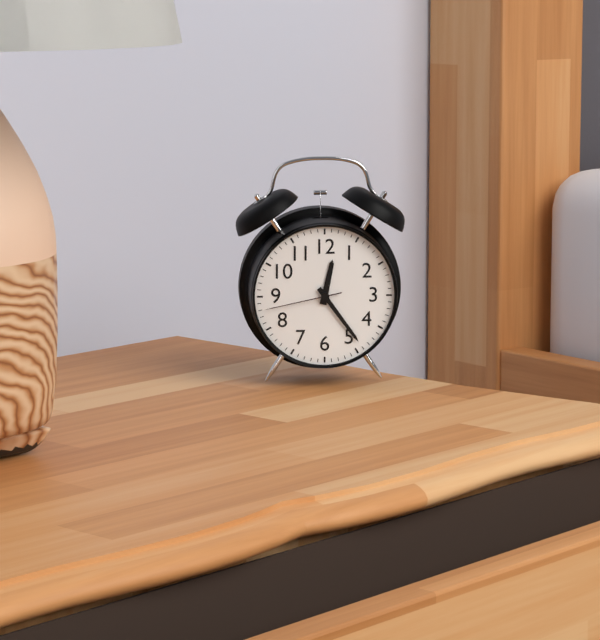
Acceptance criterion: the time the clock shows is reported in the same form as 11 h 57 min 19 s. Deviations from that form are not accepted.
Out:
12 h 24 min 43 s
